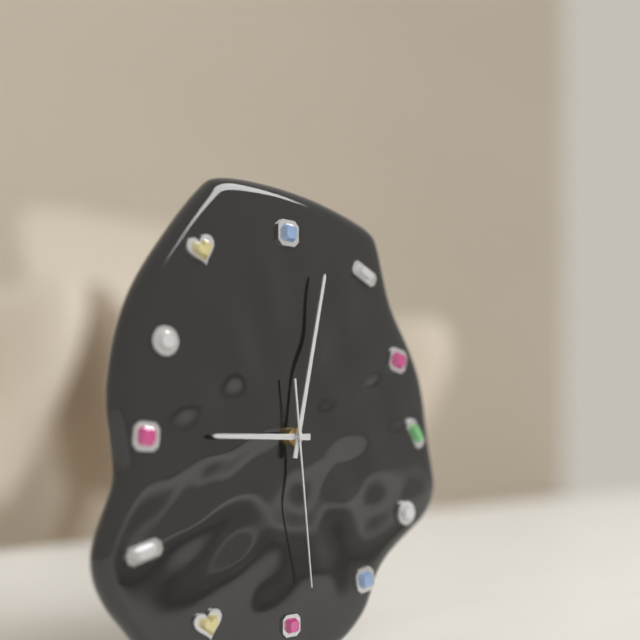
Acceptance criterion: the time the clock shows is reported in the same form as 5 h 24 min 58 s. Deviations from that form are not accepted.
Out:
9 h 02 min 29 s
